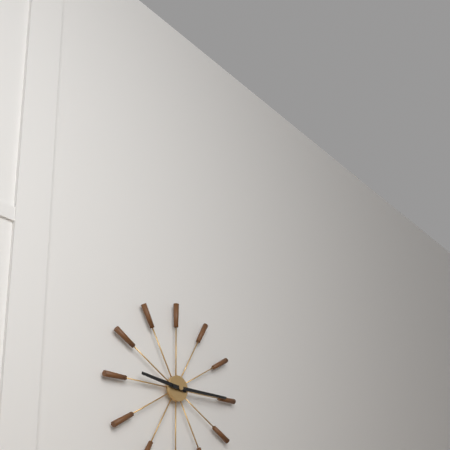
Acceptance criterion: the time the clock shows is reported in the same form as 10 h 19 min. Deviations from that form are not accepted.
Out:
9 h 15 min
